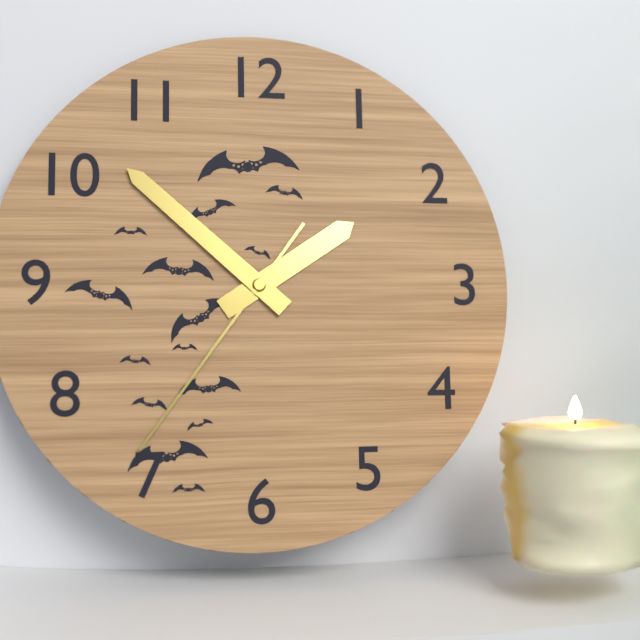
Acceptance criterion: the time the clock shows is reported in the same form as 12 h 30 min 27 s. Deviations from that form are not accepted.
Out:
1 h 52 min 36 s
